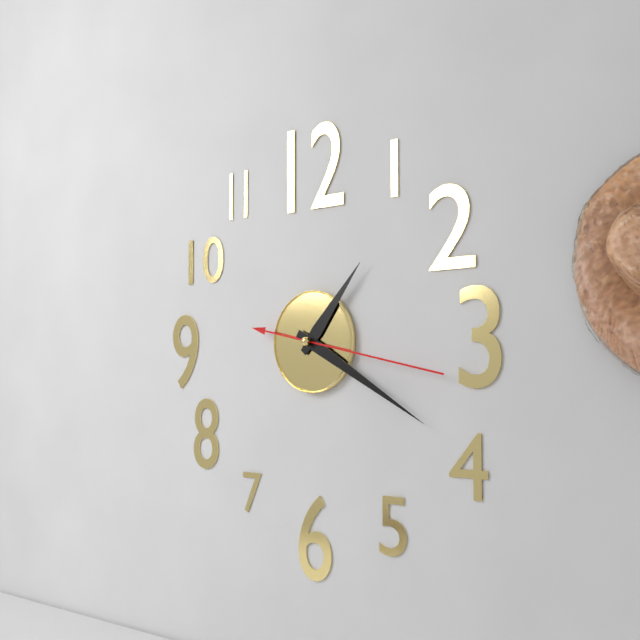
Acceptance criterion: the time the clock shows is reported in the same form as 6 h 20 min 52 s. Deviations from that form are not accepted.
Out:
1 h 20 min 17 s
